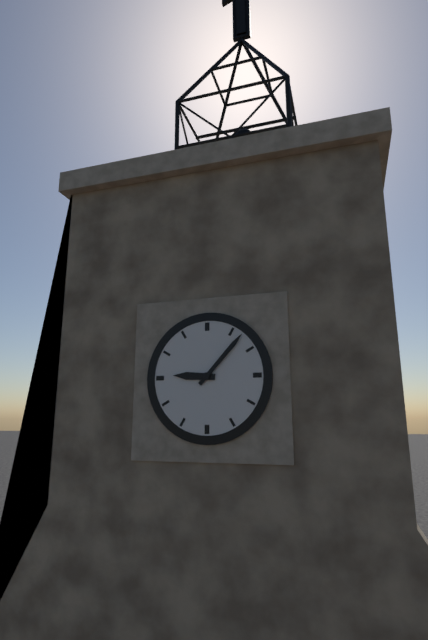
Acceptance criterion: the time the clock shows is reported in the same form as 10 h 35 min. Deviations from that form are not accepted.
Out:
9 h 07 min
